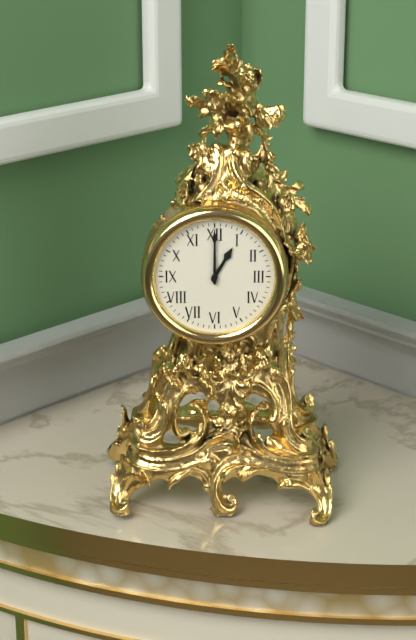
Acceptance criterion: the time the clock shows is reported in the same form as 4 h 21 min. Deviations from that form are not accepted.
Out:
1 h 00 min
